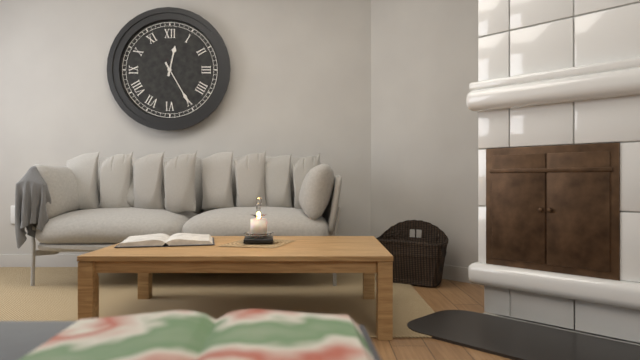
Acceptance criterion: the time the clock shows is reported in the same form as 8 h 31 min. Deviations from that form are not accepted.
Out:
12 h 25 min
